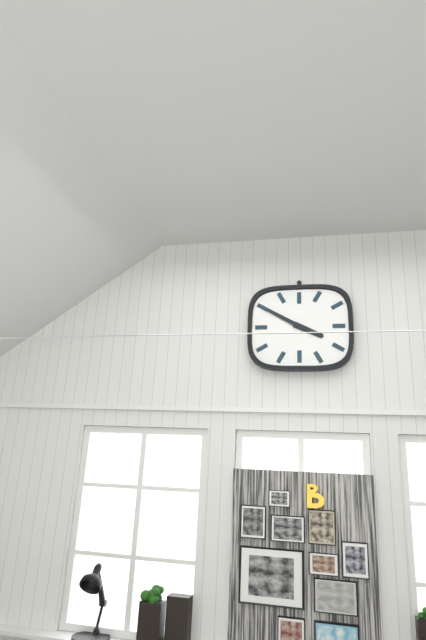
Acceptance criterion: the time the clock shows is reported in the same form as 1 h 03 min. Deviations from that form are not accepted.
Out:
3 h 50 min
